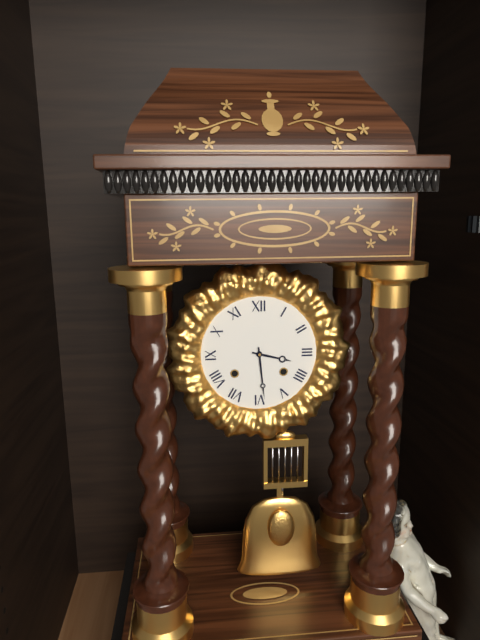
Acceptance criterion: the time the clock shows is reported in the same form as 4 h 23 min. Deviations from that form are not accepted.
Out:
3 h 29 min
